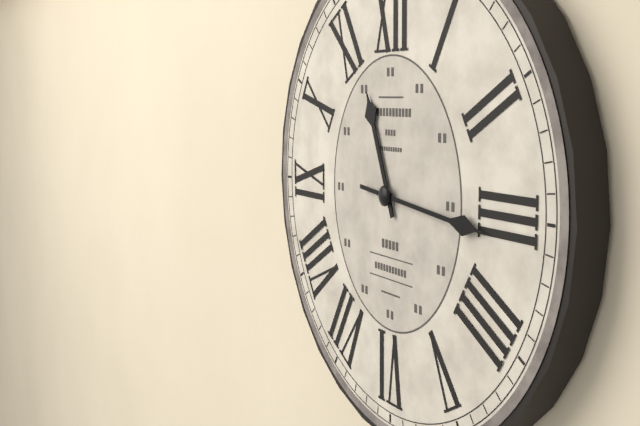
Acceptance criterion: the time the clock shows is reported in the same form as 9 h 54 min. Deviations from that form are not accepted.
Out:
11 h 16 min
